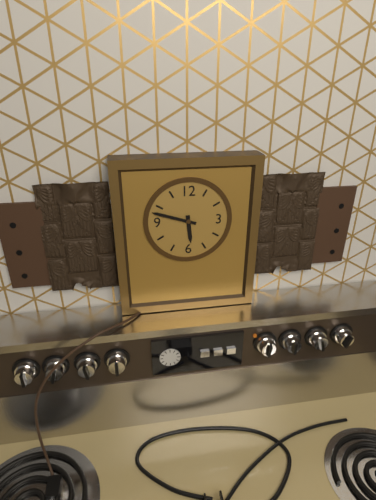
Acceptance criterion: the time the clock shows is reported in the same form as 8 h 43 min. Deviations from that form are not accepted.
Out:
5 h 48 min
